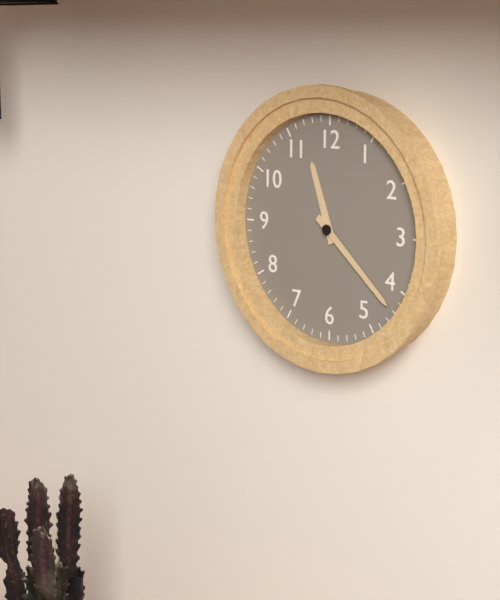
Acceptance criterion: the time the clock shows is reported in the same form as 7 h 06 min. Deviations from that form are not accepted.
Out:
11 h 22 min
